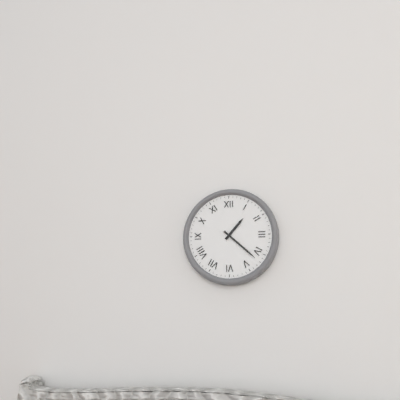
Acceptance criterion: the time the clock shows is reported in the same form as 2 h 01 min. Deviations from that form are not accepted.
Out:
1 h 22 min
